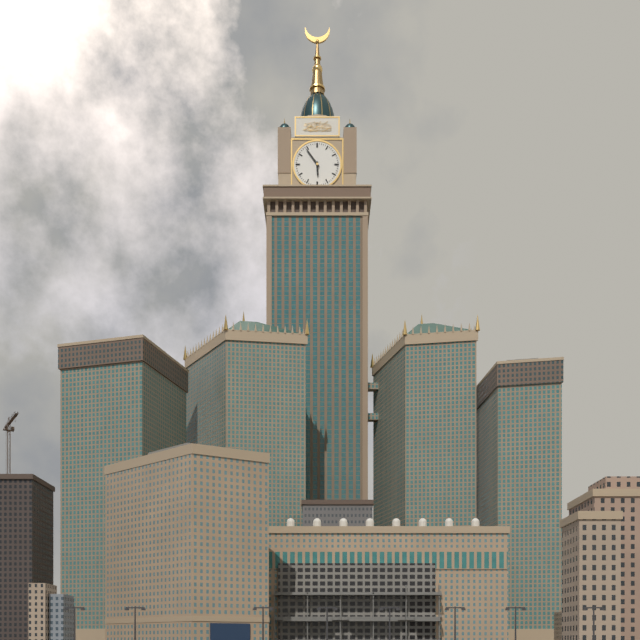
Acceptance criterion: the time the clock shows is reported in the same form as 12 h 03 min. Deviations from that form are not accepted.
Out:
5 h 54 min
